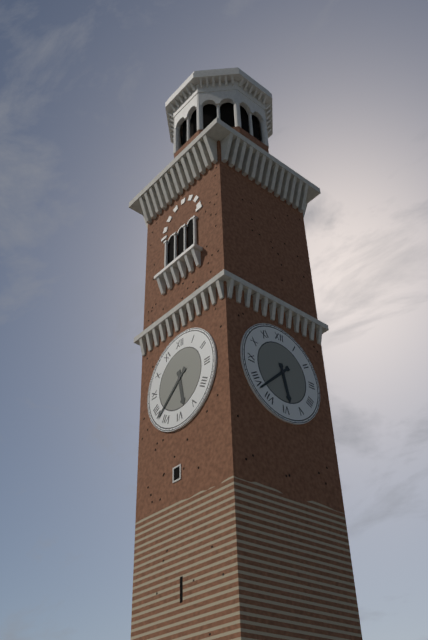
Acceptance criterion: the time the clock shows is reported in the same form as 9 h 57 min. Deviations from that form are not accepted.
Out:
5 h 38 min
